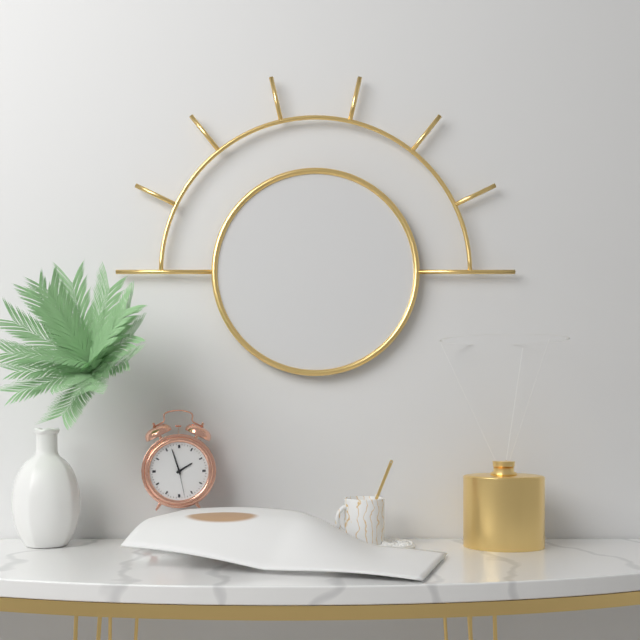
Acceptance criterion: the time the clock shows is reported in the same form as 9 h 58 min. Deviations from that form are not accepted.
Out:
1 h 57 min
